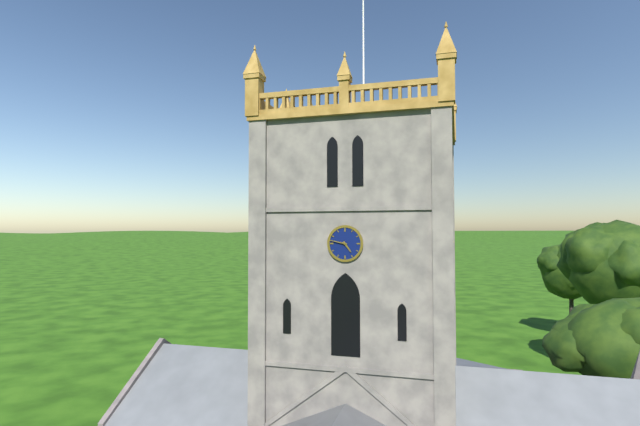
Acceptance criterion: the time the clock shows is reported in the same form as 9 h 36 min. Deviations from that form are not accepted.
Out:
4 h 47 min
